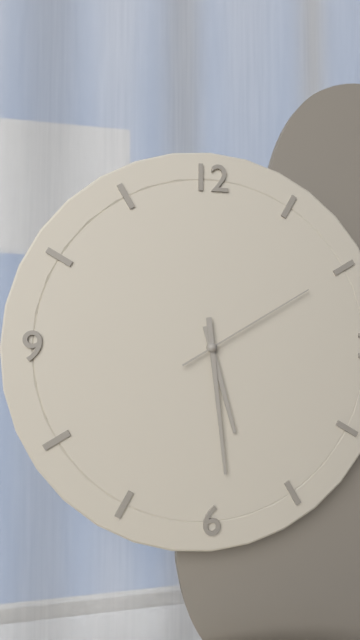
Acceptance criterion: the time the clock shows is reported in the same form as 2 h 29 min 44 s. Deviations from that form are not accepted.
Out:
5 h 29 min 10 s
